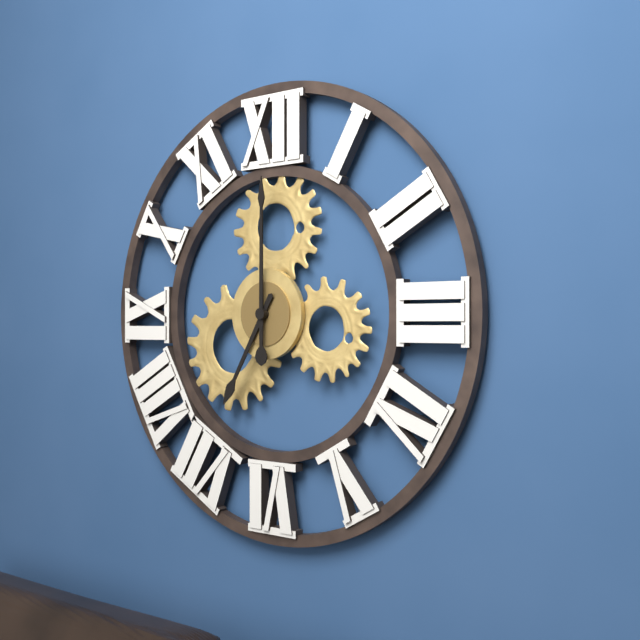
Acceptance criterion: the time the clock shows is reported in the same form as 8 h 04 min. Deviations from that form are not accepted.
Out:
7 h 00 min
